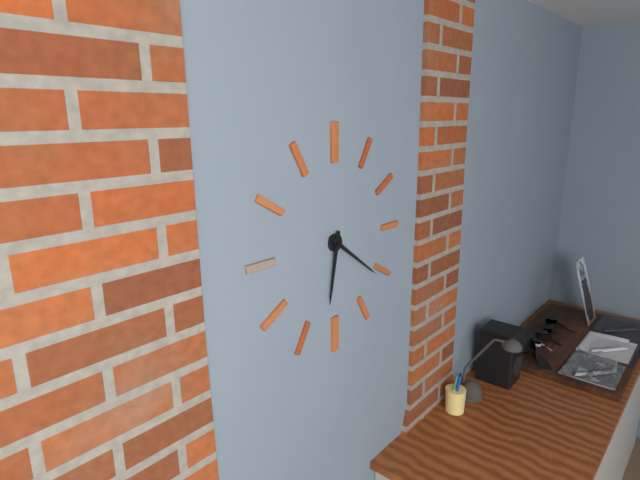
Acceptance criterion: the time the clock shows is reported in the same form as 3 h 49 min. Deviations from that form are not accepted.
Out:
6 h 21 min
